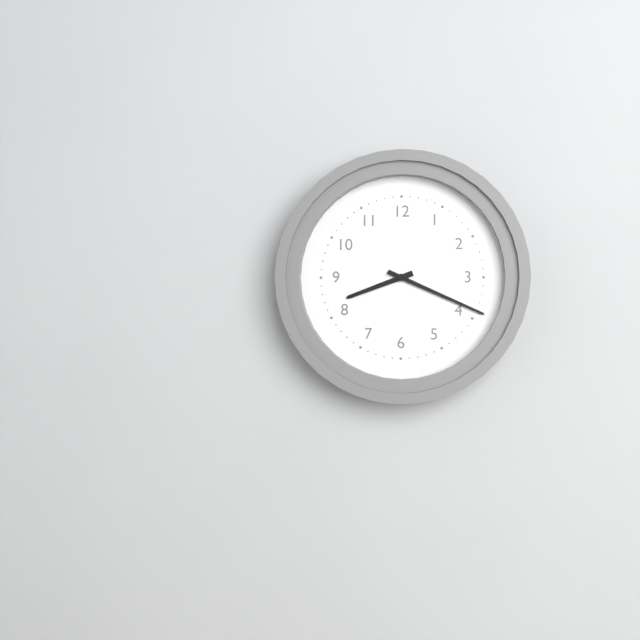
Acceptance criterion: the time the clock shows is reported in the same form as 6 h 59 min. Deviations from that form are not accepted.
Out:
8 h 19 min
